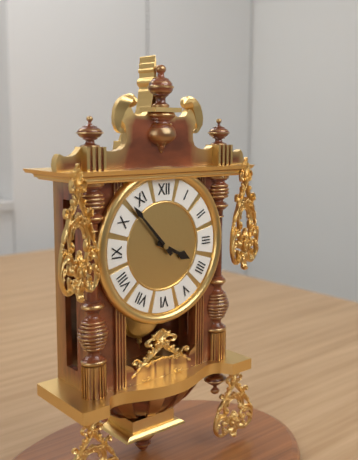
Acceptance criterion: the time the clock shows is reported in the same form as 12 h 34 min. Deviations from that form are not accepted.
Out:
3 h 53 min
